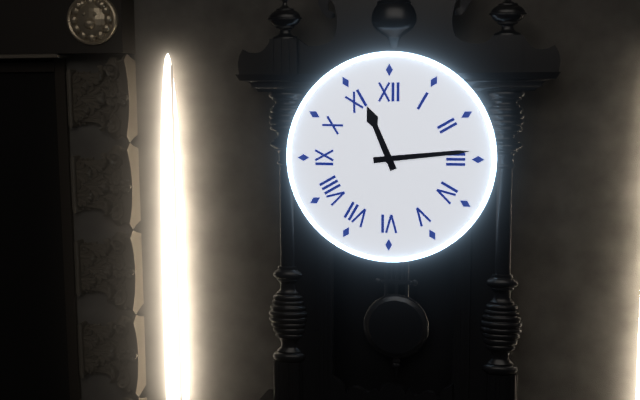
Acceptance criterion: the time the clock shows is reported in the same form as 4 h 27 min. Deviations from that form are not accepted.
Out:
11 h 14 min
